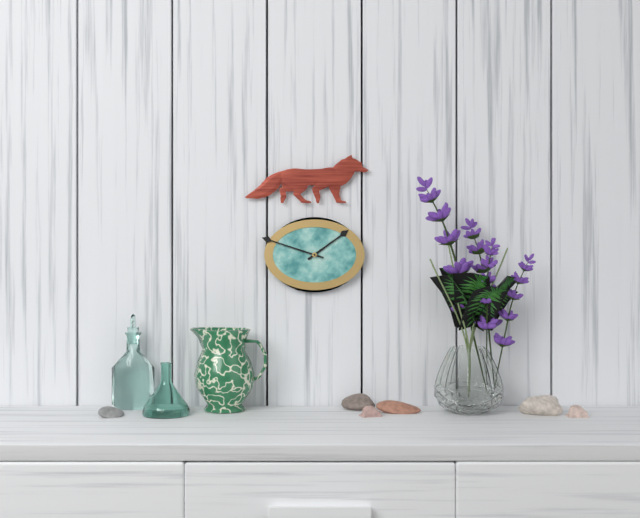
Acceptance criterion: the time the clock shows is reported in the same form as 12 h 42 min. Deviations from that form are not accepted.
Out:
1 h 48 min
